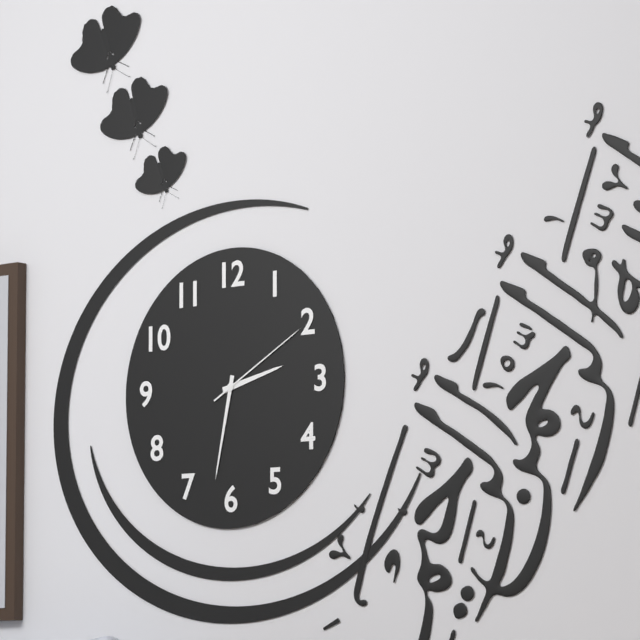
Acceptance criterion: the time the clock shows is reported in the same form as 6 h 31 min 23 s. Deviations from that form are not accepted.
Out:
2 h 32 min 10 s
